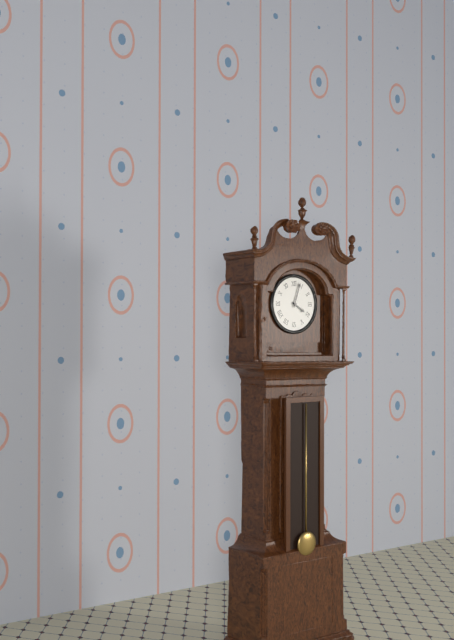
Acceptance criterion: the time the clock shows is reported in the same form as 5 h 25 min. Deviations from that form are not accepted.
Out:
4 h 03 min
